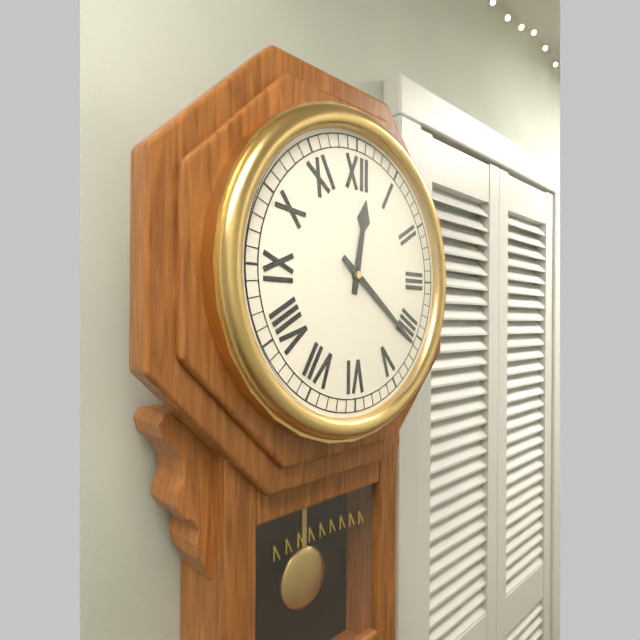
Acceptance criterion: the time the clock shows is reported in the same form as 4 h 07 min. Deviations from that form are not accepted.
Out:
12 h 21 min
